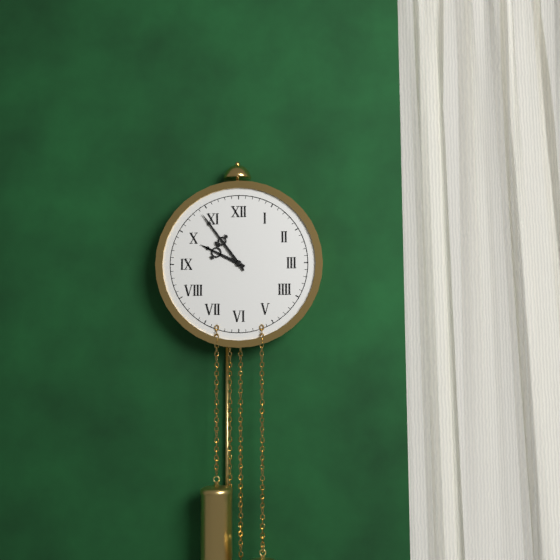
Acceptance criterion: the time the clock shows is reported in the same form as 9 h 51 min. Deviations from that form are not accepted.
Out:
9 h 54 min
